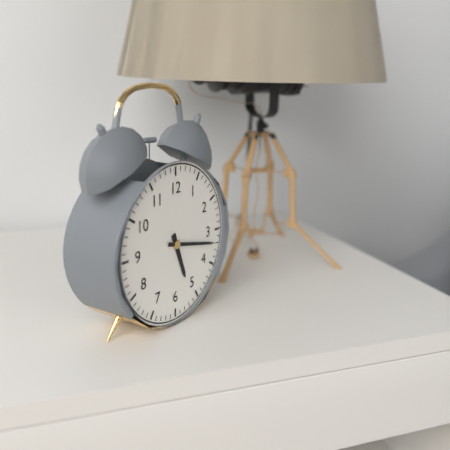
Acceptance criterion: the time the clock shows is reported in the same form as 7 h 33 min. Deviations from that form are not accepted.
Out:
5 h 17 min
